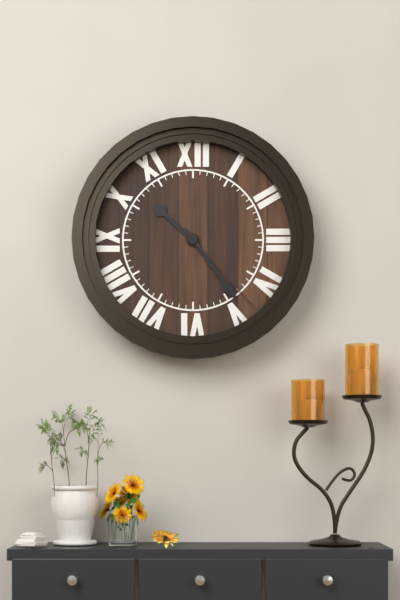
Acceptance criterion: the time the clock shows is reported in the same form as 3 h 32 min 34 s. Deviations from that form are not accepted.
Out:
10 h 24 min 23 s
